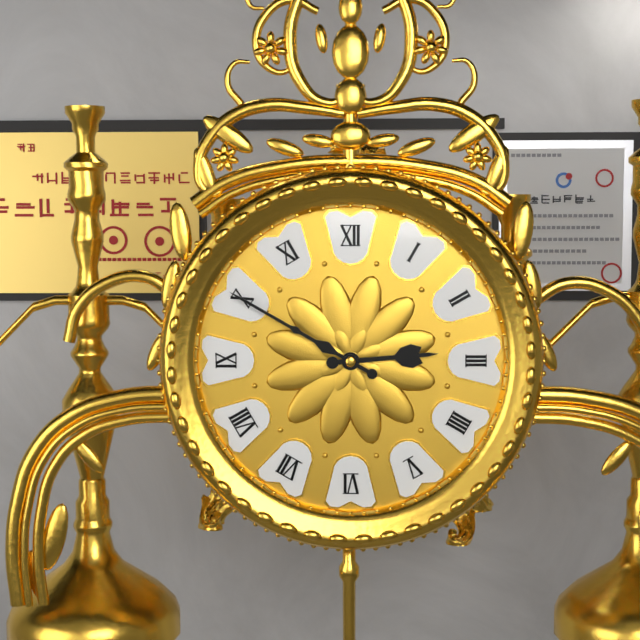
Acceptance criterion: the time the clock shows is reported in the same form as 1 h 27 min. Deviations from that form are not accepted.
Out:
2 h 50 min
